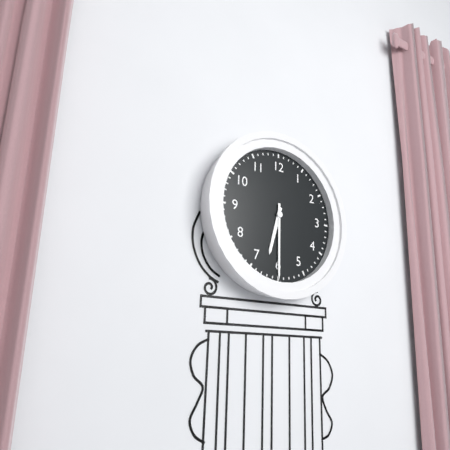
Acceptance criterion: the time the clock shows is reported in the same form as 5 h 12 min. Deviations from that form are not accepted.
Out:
6 h 30 min
